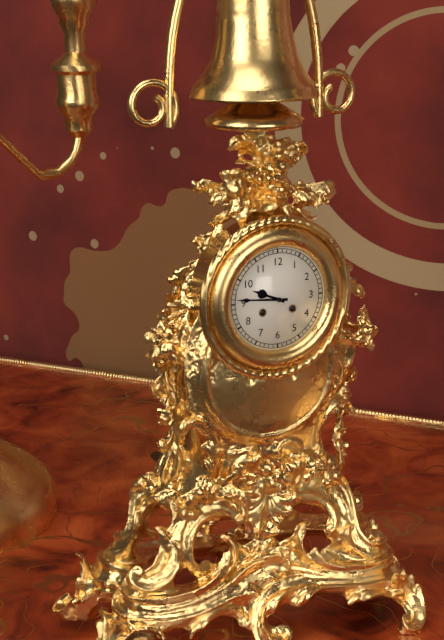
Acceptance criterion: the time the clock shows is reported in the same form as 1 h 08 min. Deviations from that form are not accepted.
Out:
9 h 46 min
